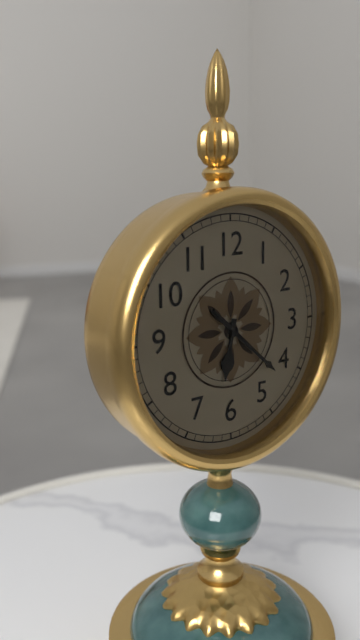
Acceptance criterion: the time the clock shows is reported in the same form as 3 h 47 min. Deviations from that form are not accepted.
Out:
6 h 22 min
